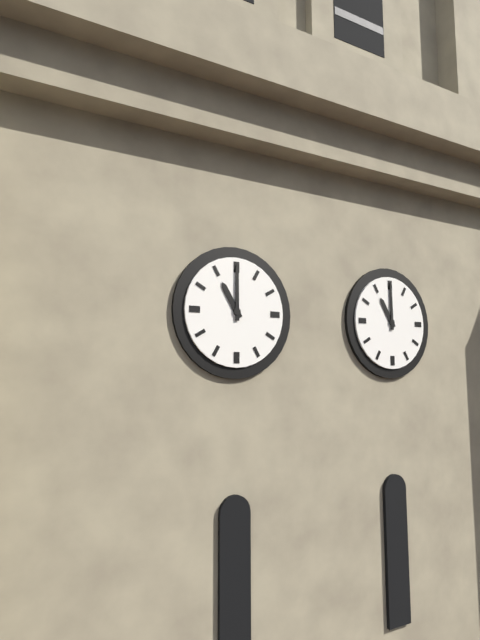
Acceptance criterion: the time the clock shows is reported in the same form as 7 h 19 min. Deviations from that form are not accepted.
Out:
11 h 00 min
